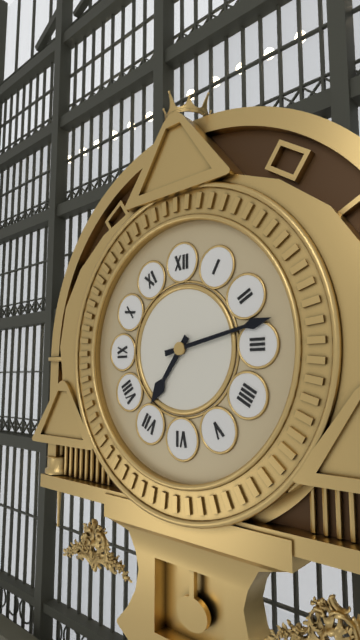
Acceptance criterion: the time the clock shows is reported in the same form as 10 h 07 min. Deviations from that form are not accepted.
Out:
7 h 13 min
